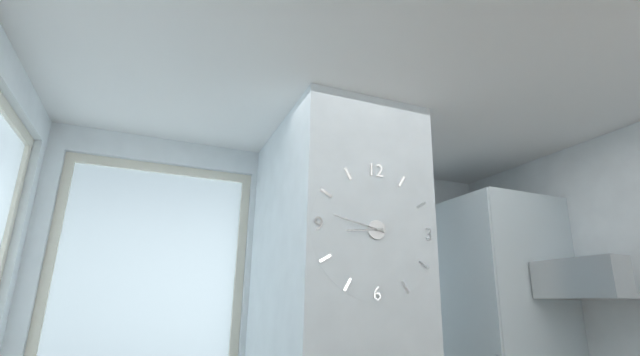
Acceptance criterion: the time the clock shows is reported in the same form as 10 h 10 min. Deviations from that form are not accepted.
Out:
8 h 47 min
